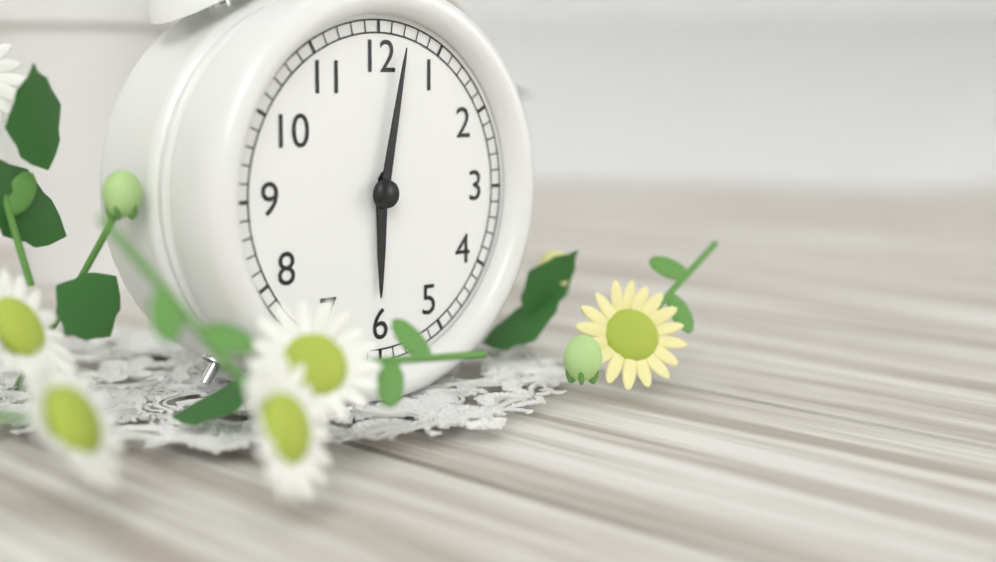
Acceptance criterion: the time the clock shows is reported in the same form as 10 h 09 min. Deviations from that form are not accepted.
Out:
6 h 02 min
